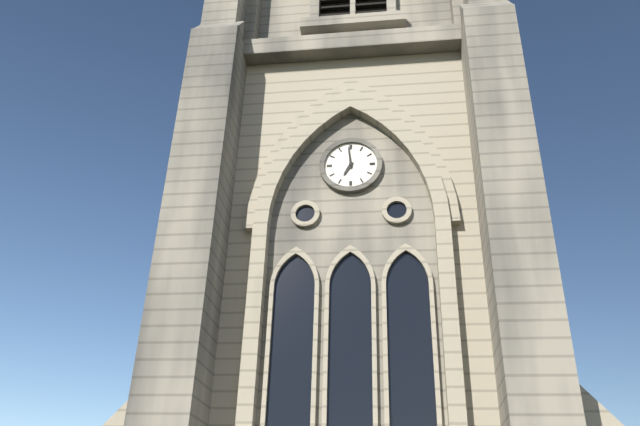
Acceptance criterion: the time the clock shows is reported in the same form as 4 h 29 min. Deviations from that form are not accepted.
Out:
6 h 59 min
